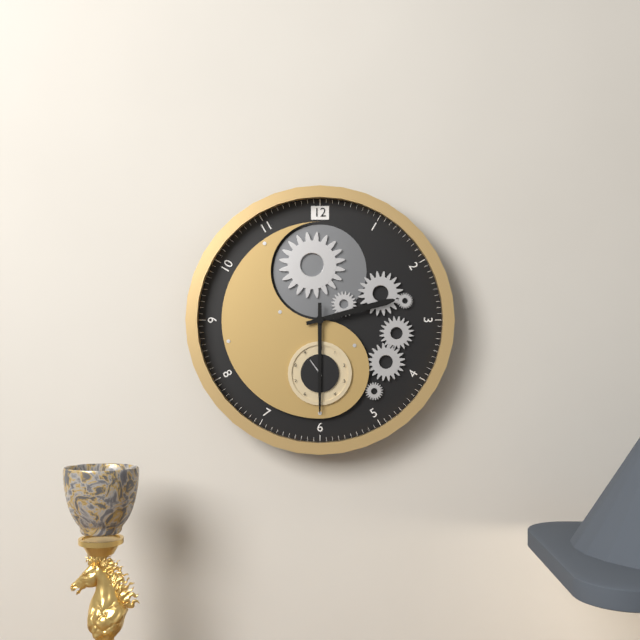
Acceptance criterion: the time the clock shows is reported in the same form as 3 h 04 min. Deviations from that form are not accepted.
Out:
2 h 30 min
